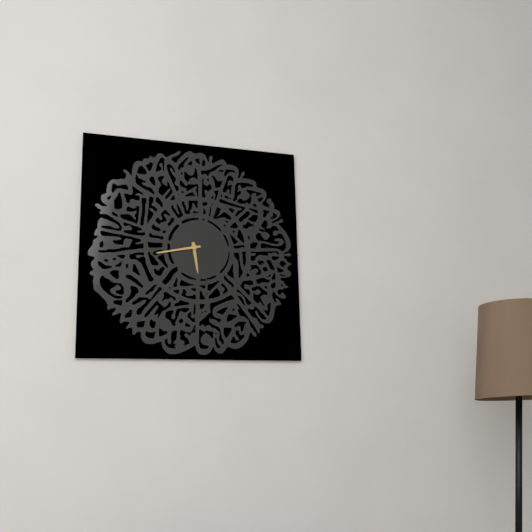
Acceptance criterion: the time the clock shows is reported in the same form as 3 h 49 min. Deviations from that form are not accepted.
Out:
5 h 43 min
